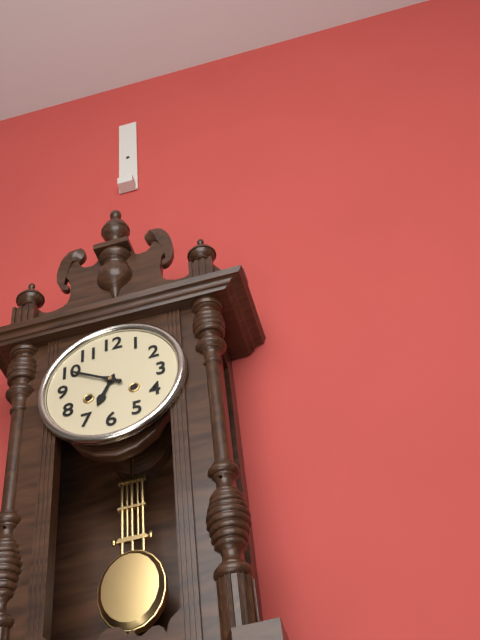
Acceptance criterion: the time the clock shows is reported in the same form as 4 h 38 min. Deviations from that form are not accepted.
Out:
6 h 50 min
